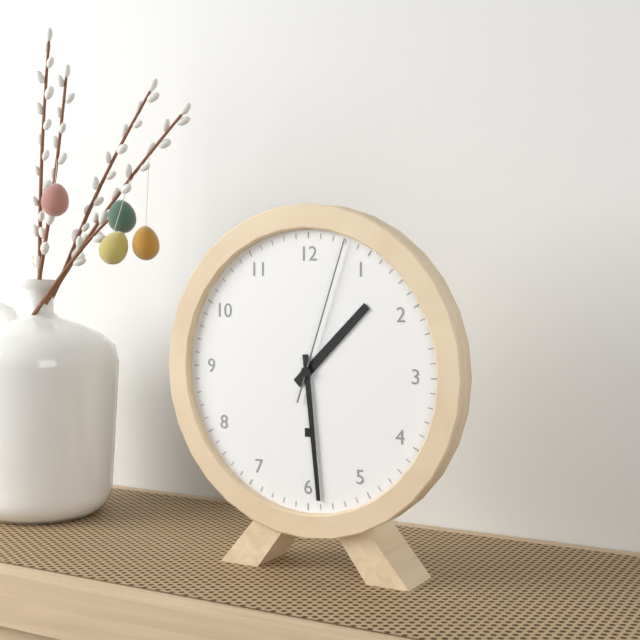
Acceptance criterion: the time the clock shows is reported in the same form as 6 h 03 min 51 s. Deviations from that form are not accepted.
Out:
1 h 29 min 03 s
